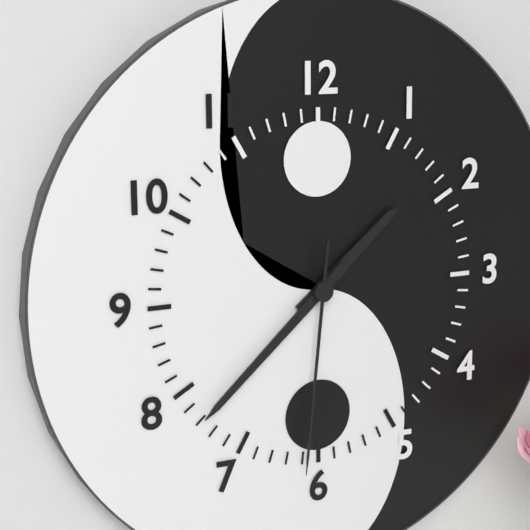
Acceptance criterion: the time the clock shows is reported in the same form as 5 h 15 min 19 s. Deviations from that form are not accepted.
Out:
1 h 38 min 31 s
